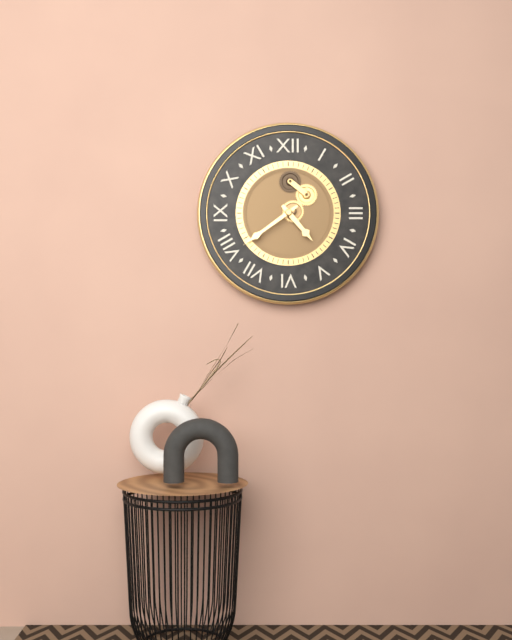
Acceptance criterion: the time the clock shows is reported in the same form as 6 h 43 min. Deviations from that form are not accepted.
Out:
4 h 39 min
